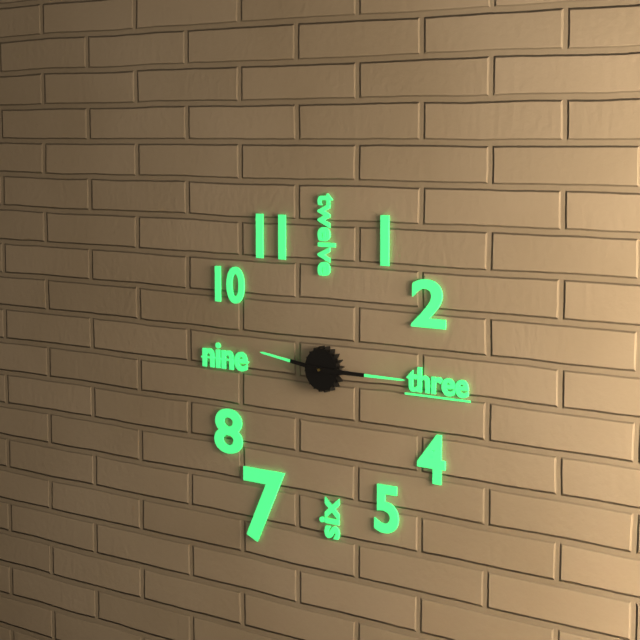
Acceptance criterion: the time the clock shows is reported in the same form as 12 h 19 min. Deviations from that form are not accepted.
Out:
9 h 15 min
